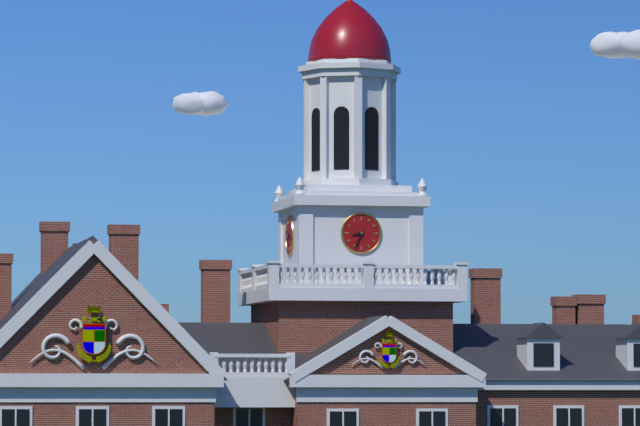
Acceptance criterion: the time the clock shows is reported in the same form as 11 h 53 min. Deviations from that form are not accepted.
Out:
8 h 34 min
